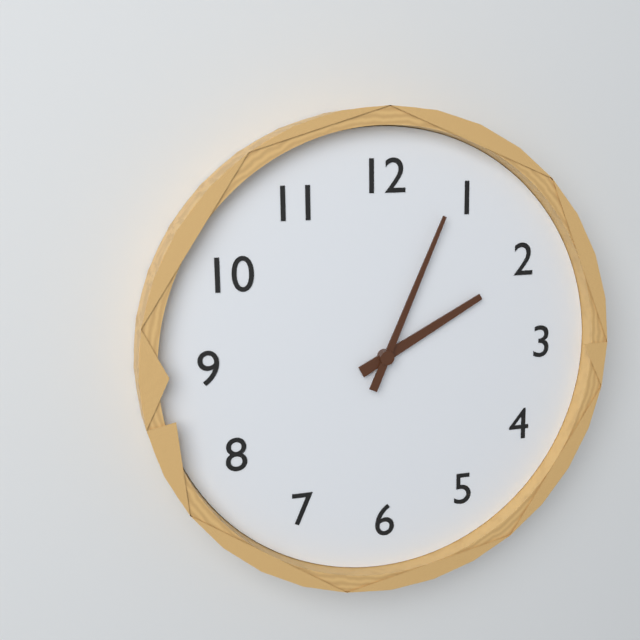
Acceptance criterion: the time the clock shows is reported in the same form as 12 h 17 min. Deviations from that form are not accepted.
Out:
2 h 04 min
